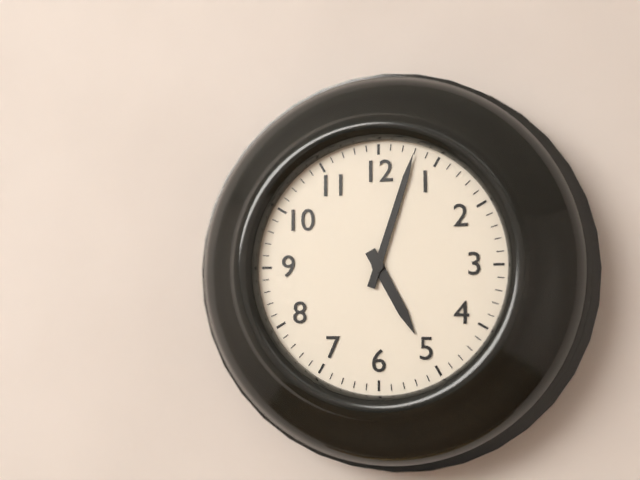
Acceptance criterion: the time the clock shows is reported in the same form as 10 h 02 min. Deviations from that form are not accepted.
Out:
5 h 03 min
